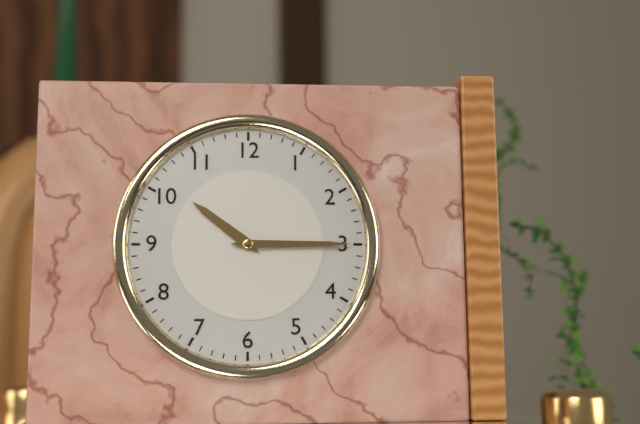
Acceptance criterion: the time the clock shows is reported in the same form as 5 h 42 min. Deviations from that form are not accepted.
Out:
10 h 15 min
